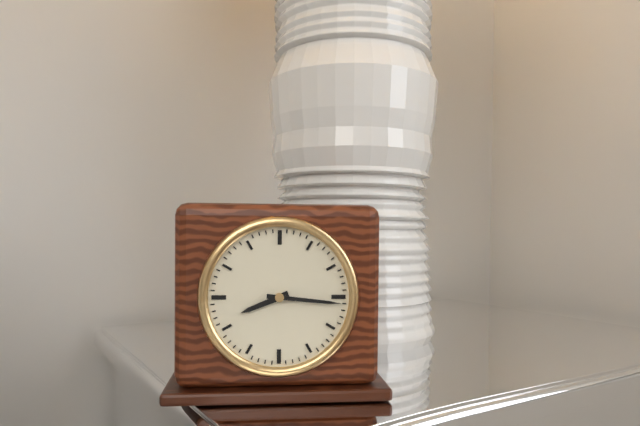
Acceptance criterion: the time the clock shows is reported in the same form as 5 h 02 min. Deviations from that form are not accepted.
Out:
8 h 16 min
